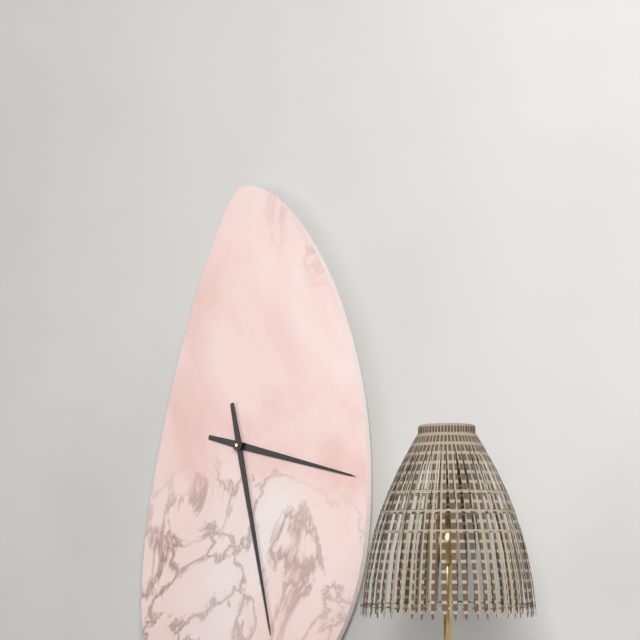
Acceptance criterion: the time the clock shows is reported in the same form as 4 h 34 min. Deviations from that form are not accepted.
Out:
3 h 28 min
